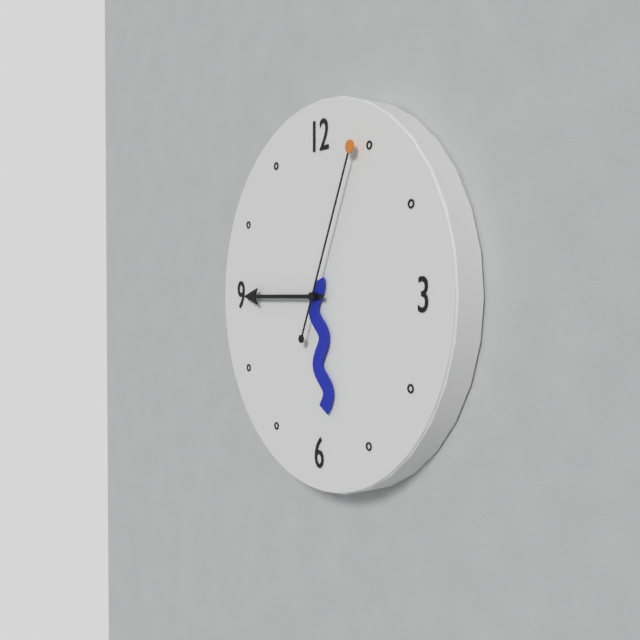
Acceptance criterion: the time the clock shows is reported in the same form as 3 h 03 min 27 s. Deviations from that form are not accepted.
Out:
5 h 45 min 04 s
